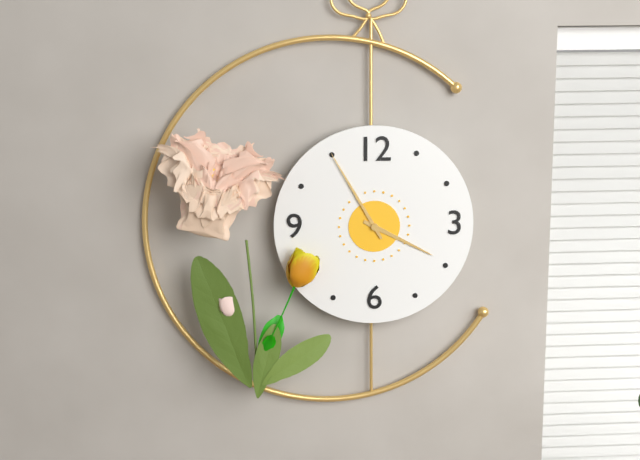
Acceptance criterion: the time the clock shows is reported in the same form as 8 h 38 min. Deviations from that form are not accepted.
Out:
3 h 55 min
